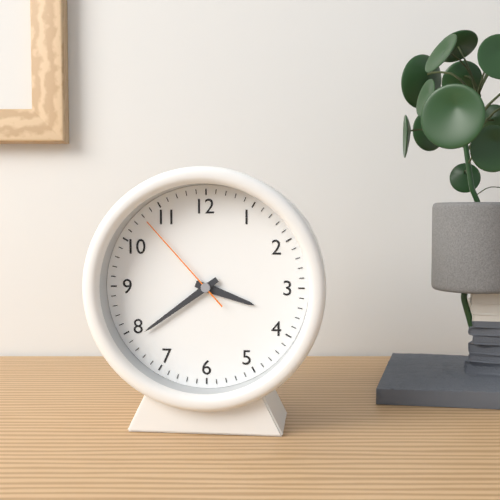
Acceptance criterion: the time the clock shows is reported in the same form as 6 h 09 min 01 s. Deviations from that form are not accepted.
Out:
3 h 39 min 53 s
